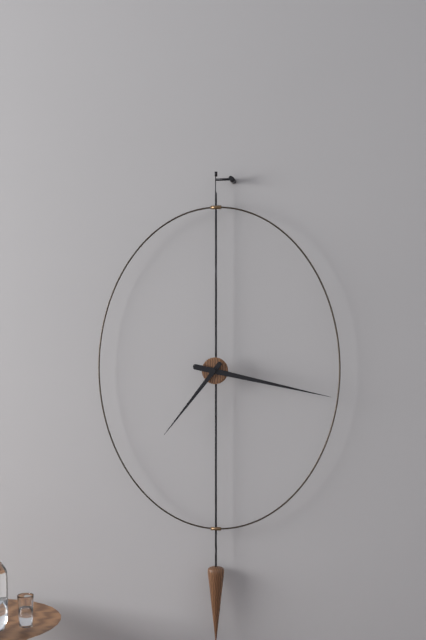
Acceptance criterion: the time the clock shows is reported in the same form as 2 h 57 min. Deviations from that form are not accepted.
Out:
7 h 17 min
